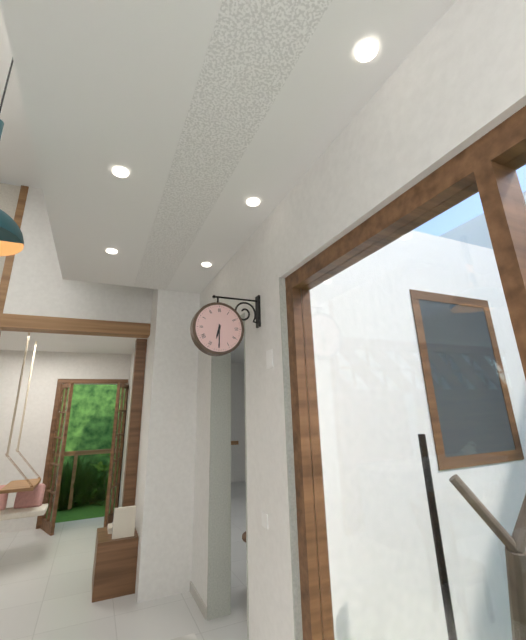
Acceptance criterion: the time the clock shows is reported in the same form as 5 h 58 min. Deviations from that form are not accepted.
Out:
6 h 30 min
